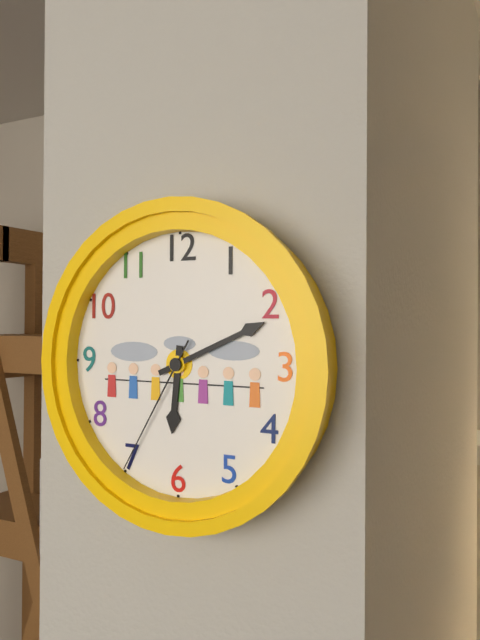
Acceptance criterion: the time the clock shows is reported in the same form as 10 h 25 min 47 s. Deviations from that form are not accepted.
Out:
6 h 11 min 35 s
